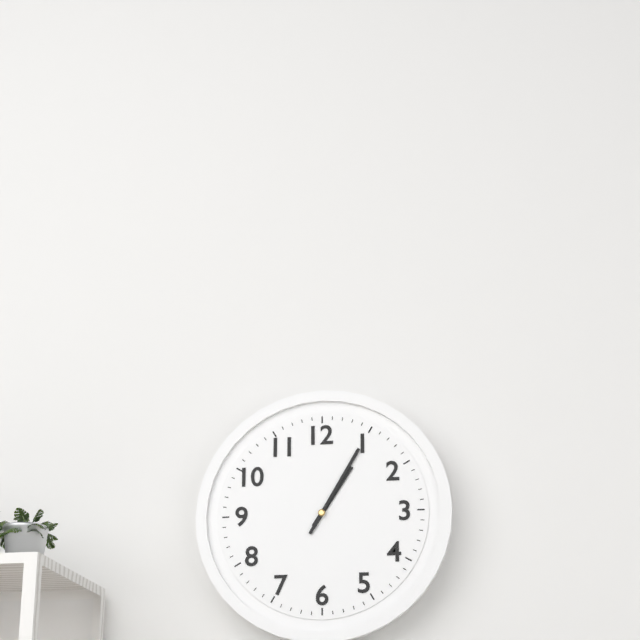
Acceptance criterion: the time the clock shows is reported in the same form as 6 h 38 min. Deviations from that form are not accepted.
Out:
1 h 05 min
